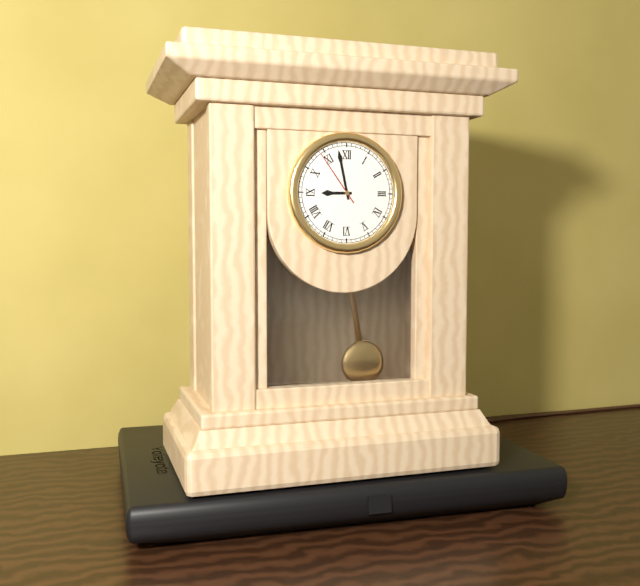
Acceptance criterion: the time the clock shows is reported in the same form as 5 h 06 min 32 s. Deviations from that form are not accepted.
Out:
8 h 58 min 54 s
